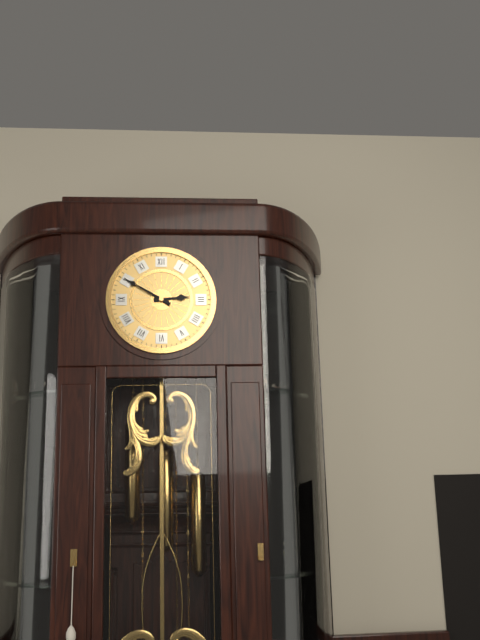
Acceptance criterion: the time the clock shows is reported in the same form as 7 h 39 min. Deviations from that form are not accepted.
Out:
2 h 50 min
